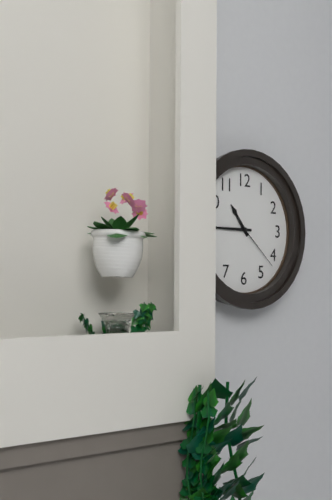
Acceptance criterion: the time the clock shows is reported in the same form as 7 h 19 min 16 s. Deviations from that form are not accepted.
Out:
10 h 45 min 22 s
